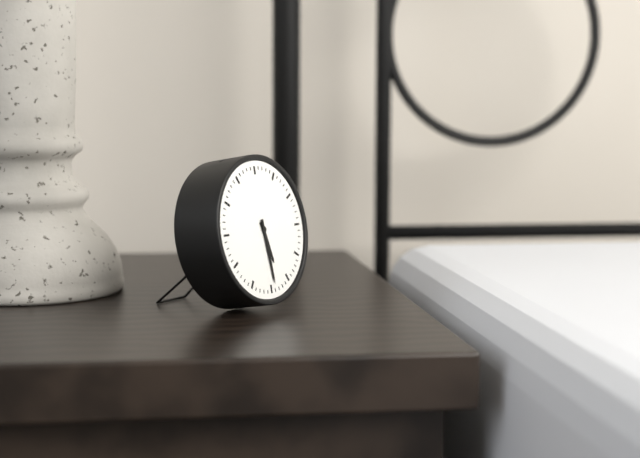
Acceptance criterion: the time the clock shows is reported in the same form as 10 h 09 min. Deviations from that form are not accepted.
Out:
5 h 29 min
